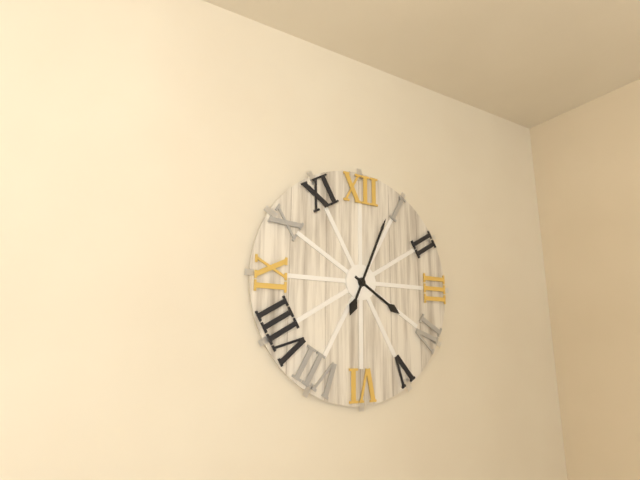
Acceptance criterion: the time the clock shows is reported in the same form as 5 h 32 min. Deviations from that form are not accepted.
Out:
4 h 04 min
